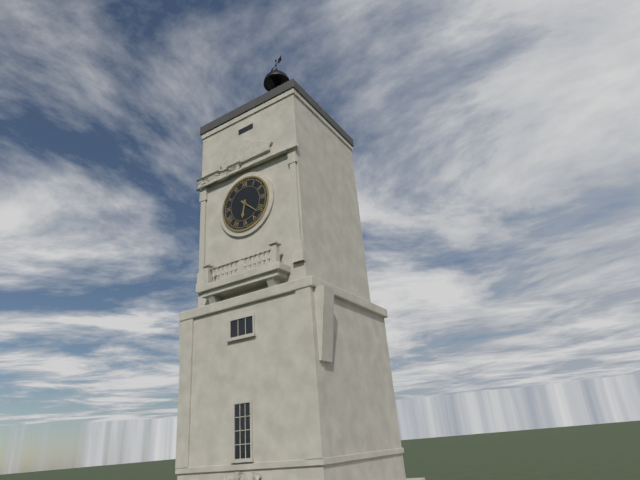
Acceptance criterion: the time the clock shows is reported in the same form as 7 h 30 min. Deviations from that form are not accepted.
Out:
6 h 22 min
